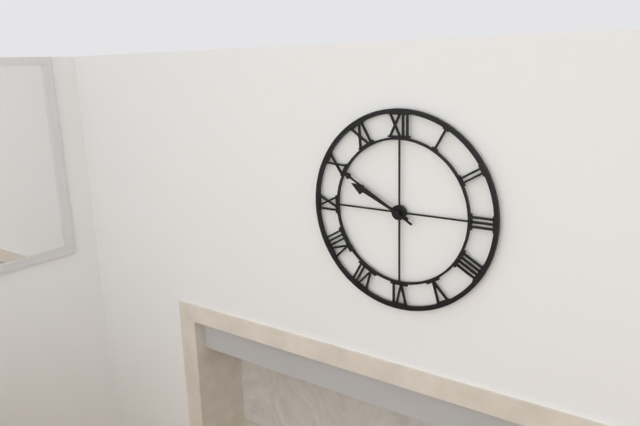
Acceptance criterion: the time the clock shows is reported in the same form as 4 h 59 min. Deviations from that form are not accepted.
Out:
9 h 50 min
